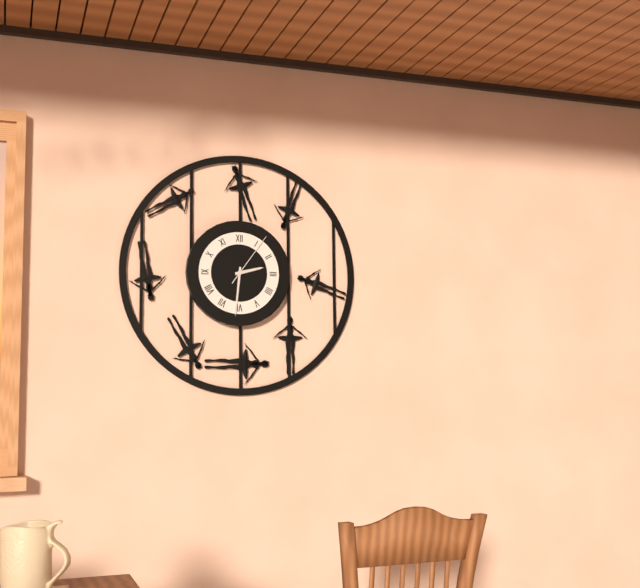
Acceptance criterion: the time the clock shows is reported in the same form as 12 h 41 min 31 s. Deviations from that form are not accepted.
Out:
2 h 31 min 06 s
